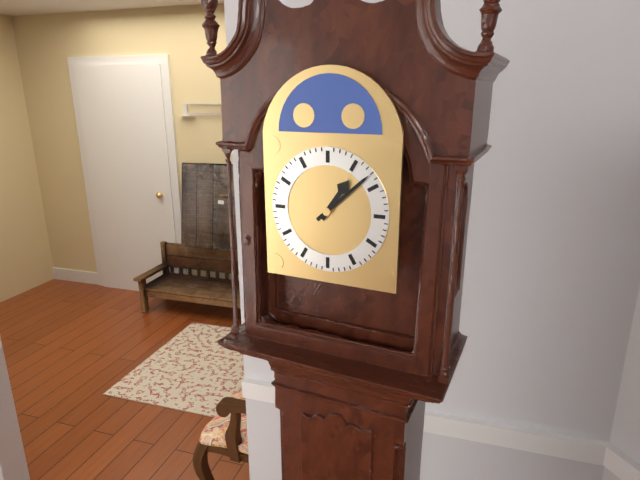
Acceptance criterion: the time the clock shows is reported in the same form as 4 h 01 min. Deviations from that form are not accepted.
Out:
1 h 08 min
